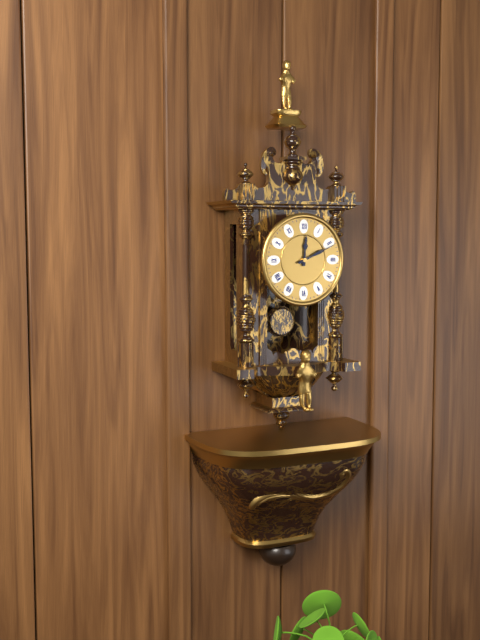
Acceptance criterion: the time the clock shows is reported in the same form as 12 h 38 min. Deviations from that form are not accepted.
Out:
12 h 11 min
